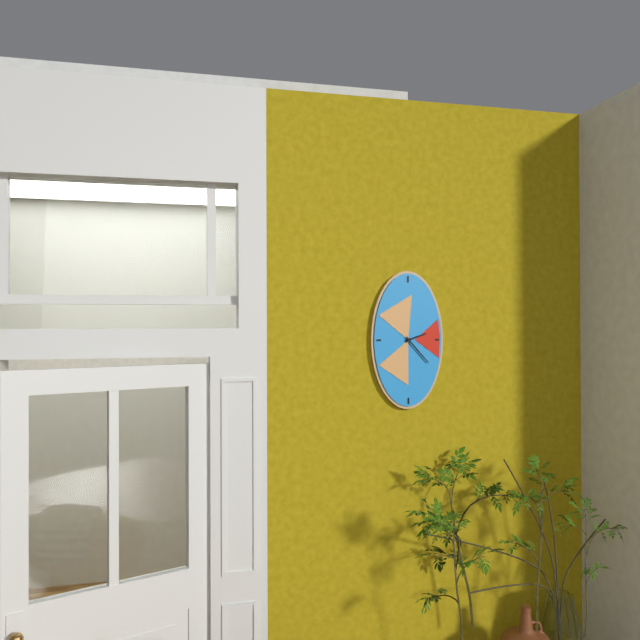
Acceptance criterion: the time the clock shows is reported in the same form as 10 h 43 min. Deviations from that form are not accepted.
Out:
2 h 23 min
